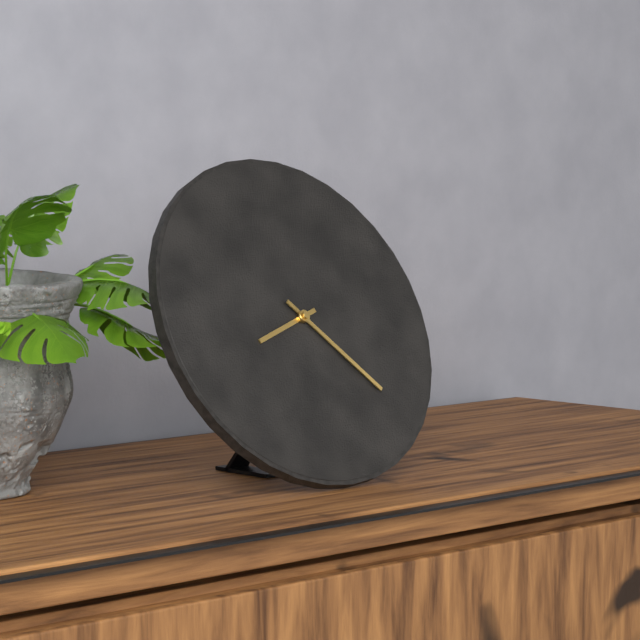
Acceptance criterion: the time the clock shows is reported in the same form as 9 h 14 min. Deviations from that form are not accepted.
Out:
8 h 23 min
